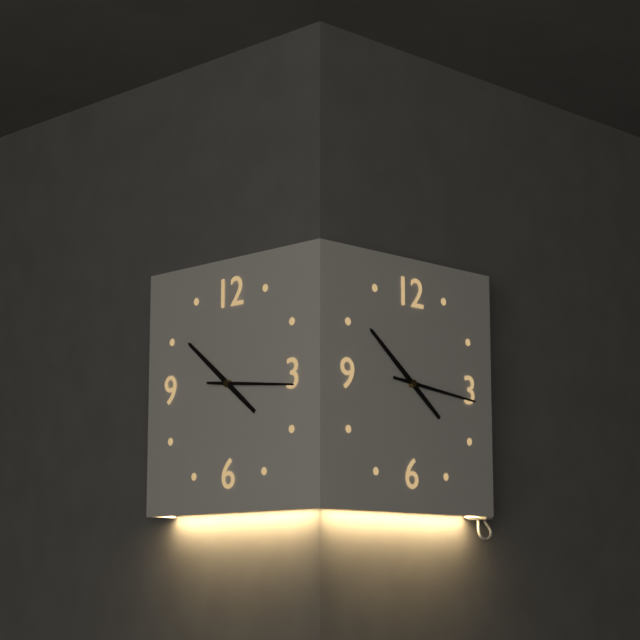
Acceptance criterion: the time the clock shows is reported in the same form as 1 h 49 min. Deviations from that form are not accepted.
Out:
10 h 16 min
